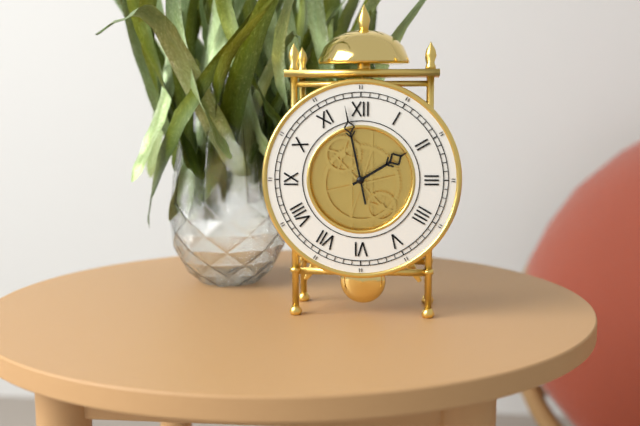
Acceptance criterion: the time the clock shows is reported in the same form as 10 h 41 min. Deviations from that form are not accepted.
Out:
1 h 58 min
